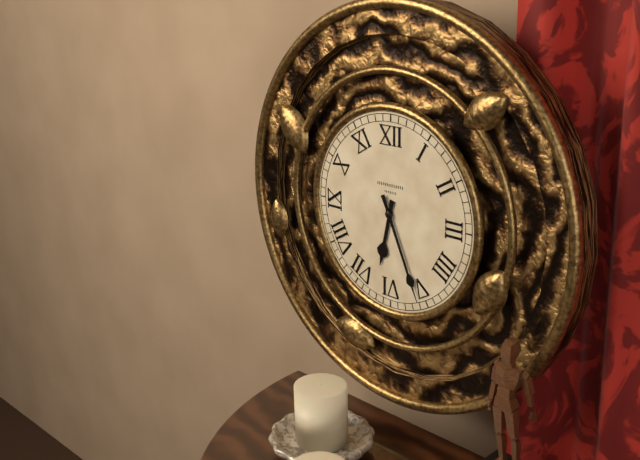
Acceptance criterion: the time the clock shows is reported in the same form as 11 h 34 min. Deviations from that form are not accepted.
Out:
6 h 26 min
